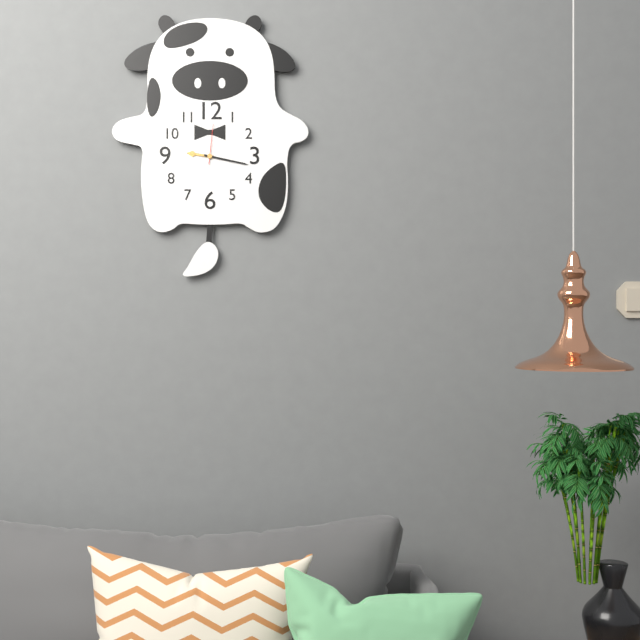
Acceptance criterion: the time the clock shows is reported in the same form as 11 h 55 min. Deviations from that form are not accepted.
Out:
9 h 17 min
